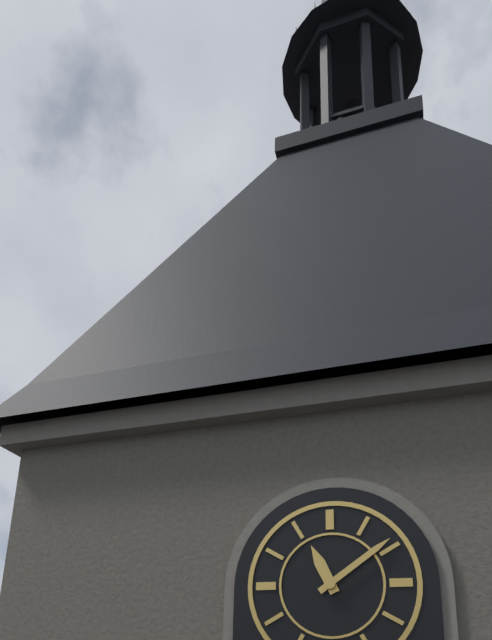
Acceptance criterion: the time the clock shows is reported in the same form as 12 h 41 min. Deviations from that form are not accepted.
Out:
11 h 09 min
